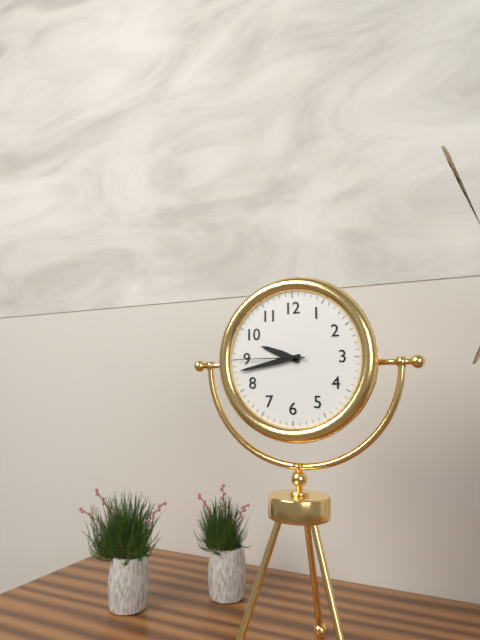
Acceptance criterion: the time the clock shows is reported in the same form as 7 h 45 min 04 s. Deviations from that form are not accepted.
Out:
9 h 43 min 45 s
